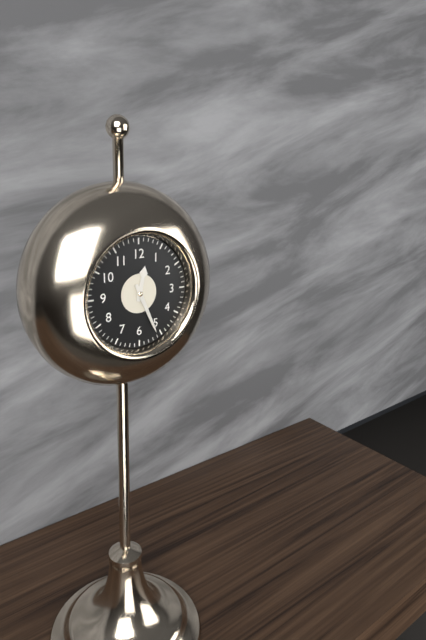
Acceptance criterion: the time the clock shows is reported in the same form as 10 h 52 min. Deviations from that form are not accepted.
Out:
12 h 26 min
